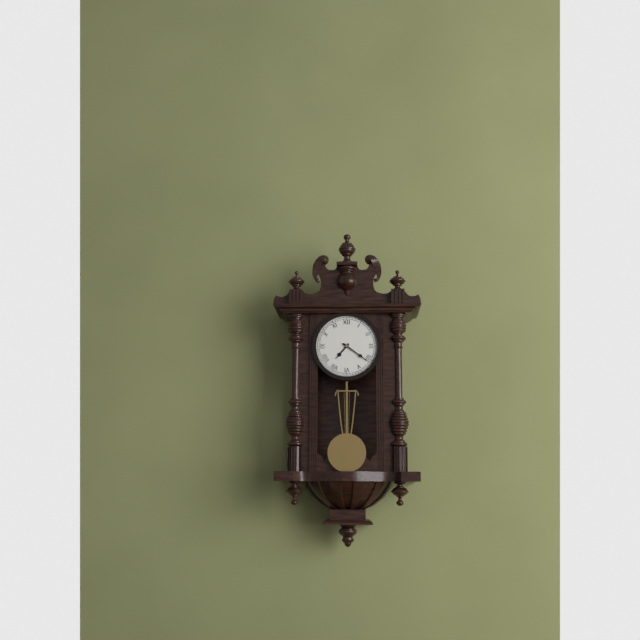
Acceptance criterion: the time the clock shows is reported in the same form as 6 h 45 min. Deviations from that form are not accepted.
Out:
7 h 21 min
